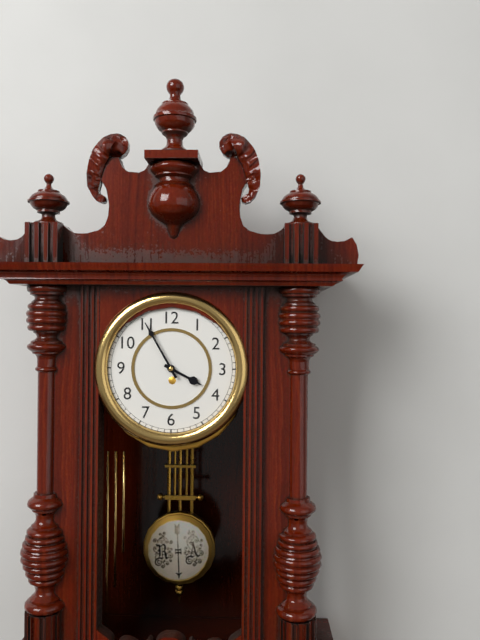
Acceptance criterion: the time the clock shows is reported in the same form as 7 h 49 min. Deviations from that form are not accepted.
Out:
3 h 55 min
